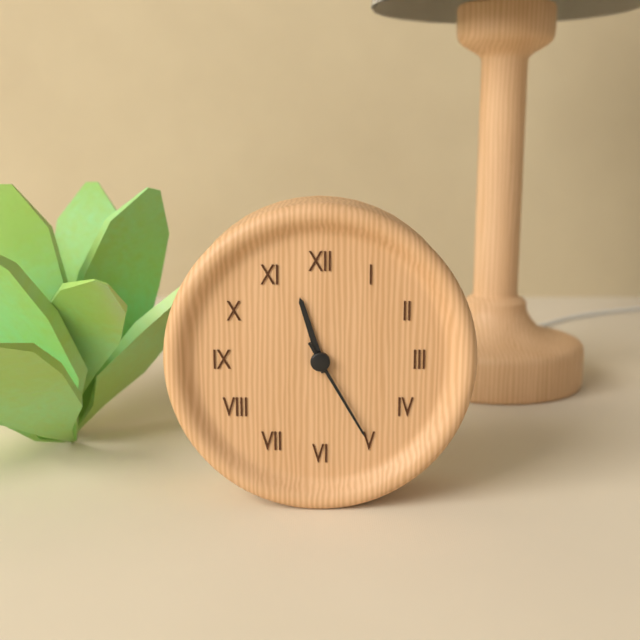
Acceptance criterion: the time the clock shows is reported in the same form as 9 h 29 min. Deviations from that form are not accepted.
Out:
11 h 25 min
